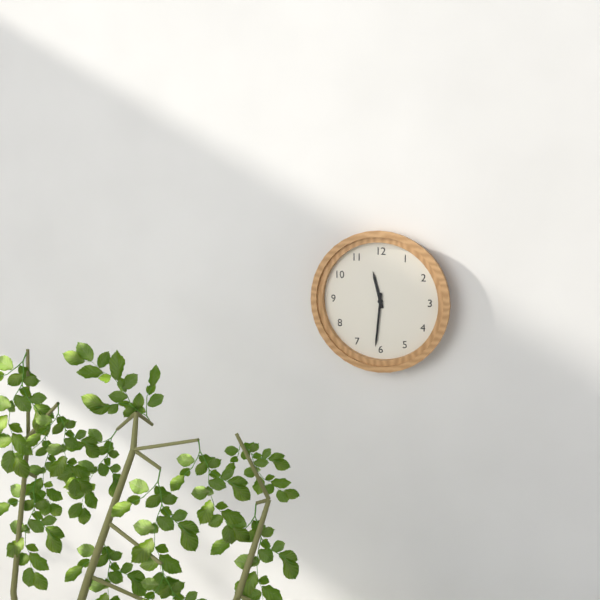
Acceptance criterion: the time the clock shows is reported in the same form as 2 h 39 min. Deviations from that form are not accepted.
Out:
11 h 31 min
